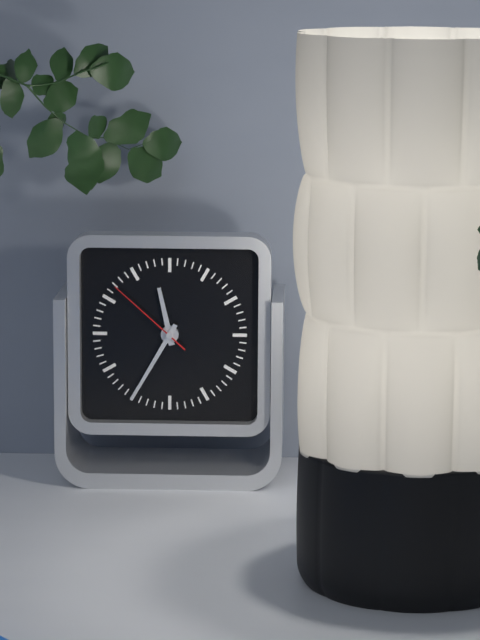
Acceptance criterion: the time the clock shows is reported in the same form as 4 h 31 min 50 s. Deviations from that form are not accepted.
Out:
11 h 35 min 52 s
